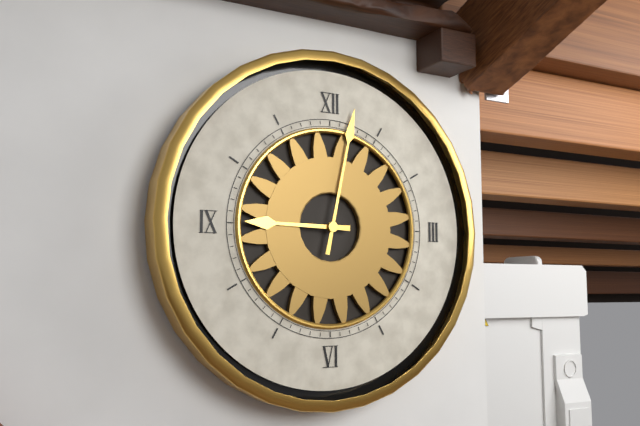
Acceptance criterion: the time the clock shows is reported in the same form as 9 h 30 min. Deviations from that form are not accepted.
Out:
9 h 02 min
